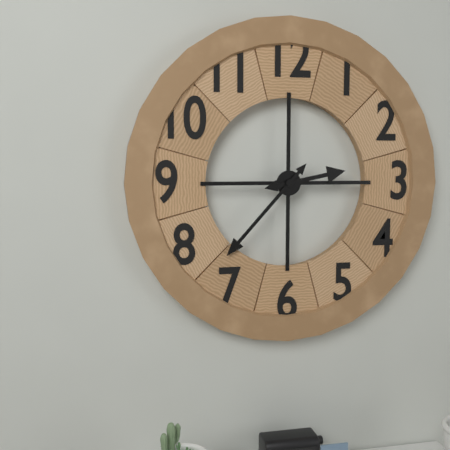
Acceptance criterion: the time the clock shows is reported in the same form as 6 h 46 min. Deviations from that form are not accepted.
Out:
2 h 37 min
